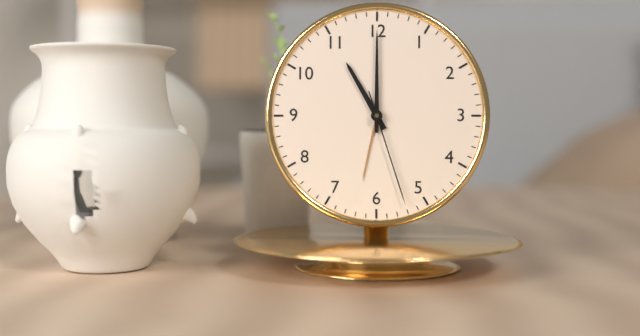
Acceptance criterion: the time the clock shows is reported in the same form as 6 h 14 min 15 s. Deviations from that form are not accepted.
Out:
11 h 00 min 27 s
